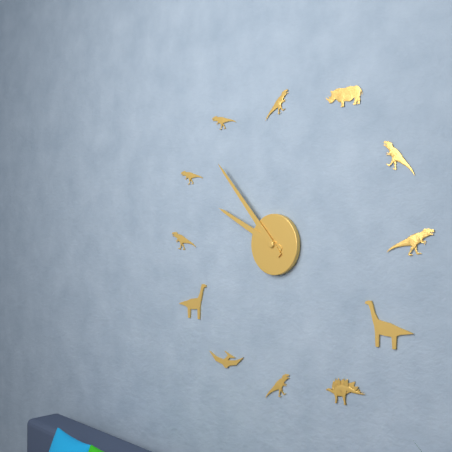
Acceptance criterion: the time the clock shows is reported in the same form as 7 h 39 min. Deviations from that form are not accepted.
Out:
9 h 53 min
